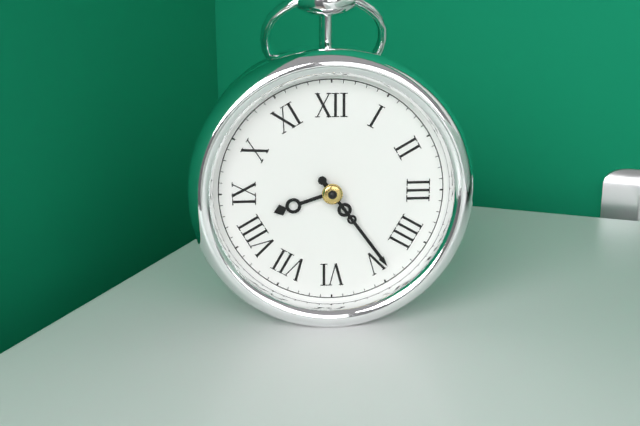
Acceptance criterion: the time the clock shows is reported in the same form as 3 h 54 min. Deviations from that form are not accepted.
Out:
8 h 24 min
